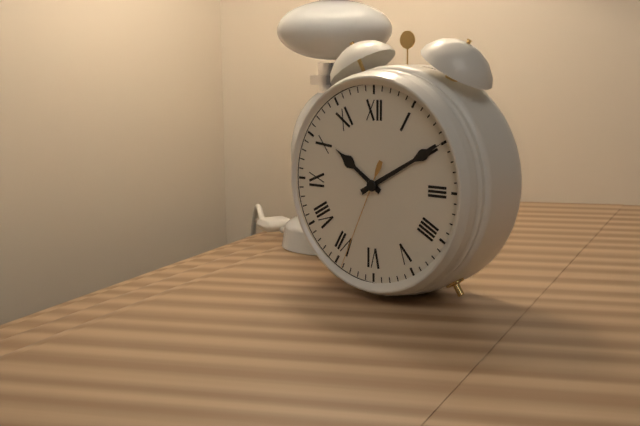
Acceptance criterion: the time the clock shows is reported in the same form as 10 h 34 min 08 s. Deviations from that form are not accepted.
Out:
10 h 10 min 34 s
